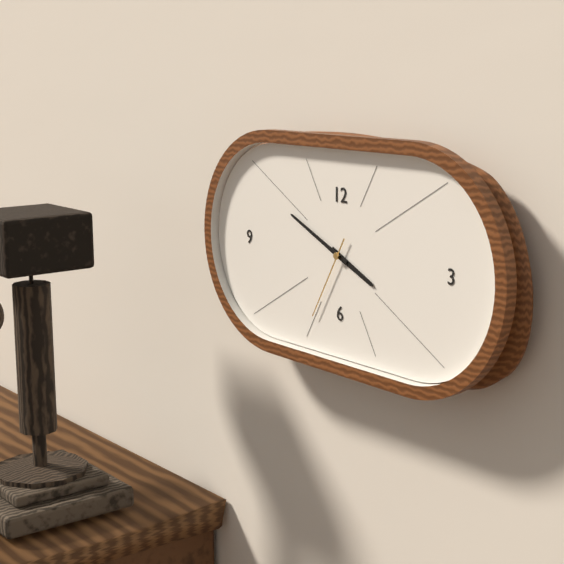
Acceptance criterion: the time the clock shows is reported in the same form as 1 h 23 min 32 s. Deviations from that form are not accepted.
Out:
3 h 49 min 35 s
